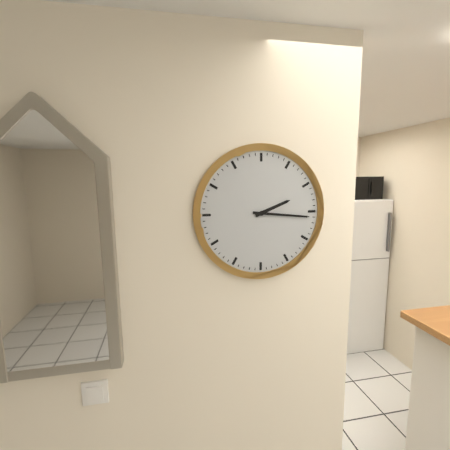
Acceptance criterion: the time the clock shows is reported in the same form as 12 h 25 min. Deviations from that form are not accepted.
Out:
2 h 16 min
